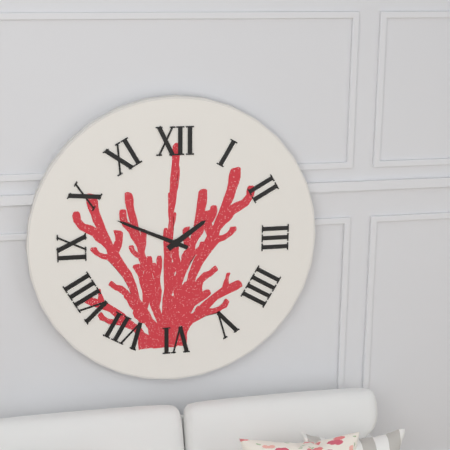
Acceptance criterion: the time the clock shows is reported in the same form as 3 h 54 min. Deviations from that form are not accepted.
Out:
1 h 49 min
